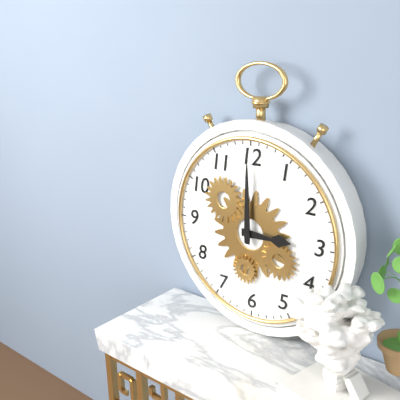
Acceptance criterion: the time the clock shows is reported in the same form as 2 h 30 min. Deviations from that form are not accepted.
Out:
3 h 00 min
